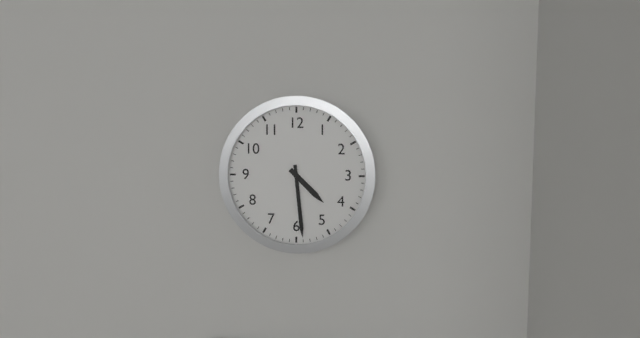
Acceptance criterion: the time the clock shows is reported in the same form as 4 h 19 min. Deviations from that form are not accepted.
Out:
4 h 29 min
